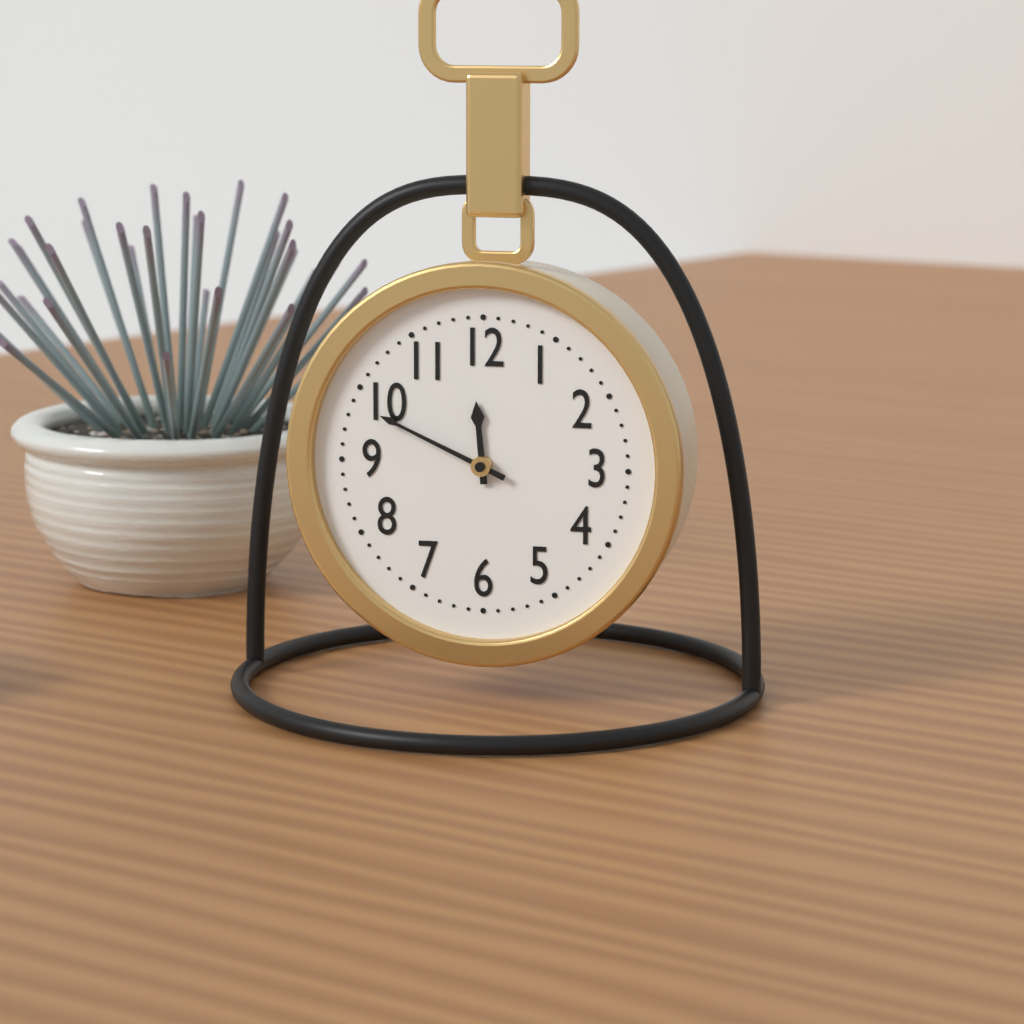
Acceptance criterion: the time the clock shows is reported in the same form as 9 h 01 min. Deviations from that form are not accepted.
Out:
11 h 49 min
